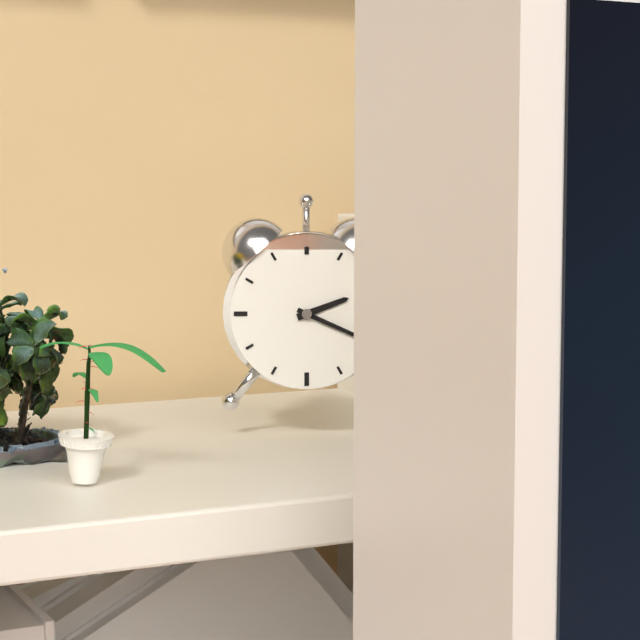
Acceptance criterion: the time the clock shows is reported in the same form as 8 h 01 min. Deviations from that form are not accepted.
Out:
2 h 19 min
